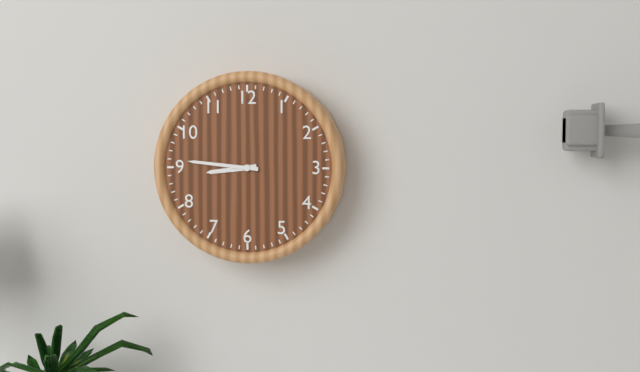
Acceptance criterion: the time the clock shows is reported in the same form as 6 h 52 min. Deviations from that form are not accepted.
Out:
8 h 46 min
